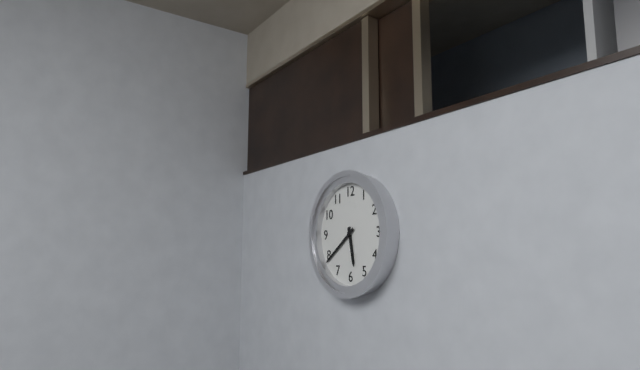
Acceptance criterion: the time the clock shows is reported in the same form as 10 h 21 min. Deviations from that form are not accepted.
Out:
5 h 39 min
